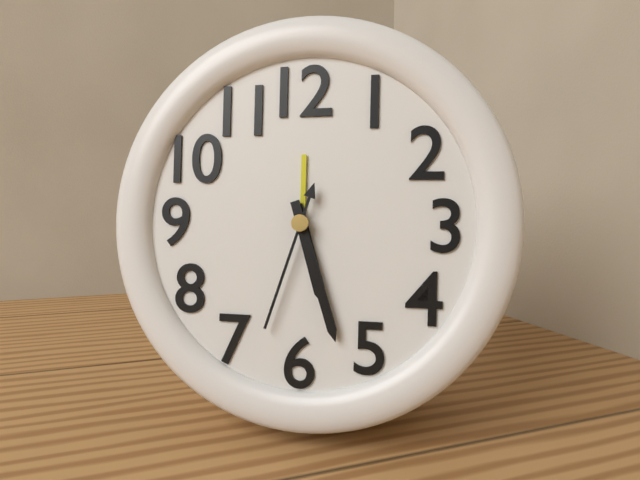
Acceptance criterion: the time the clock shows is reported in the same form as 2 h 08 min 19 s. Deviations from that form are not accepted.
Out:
5 h 27 min 33 s
